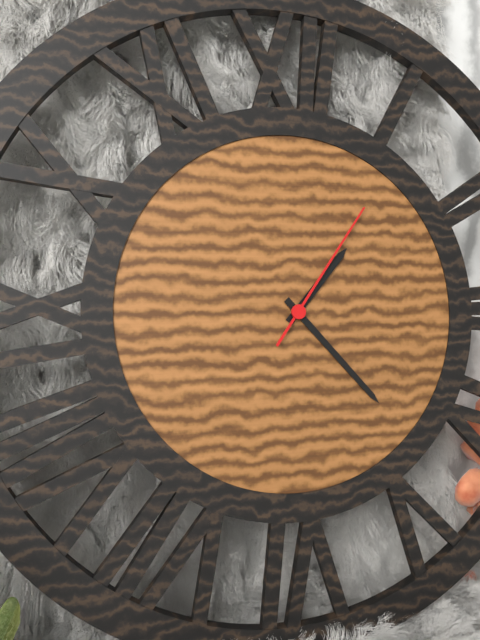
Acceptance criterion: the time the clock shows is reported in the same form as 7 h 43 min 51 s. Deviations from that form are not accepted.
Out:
1 h 23 min 06 s
